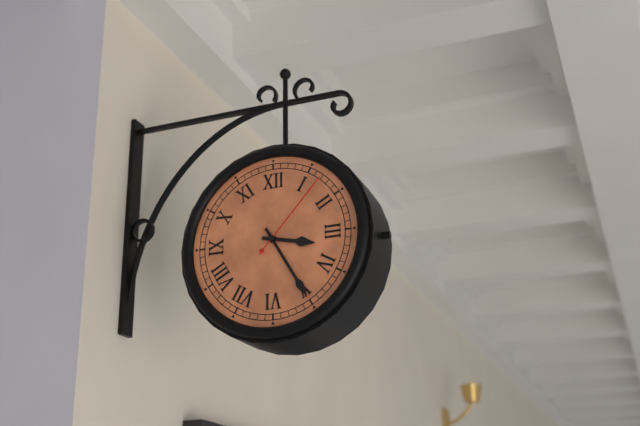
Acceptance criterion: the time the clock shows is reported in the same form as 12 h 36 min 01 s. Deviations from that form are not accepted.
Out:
3 h 25 min 07 s
